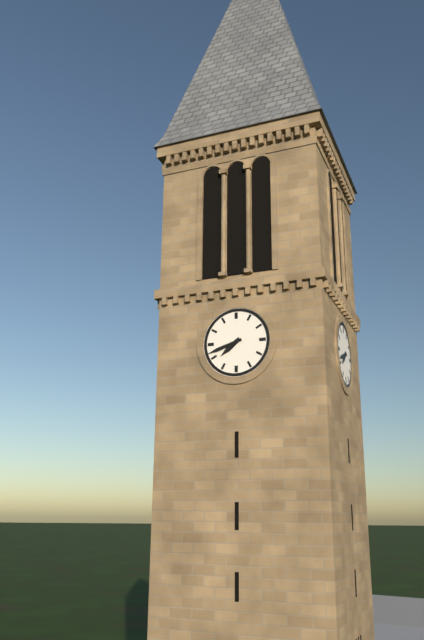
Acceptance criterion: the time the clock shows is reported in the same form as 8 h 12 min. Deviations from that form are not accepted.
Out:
7 h 42 min
